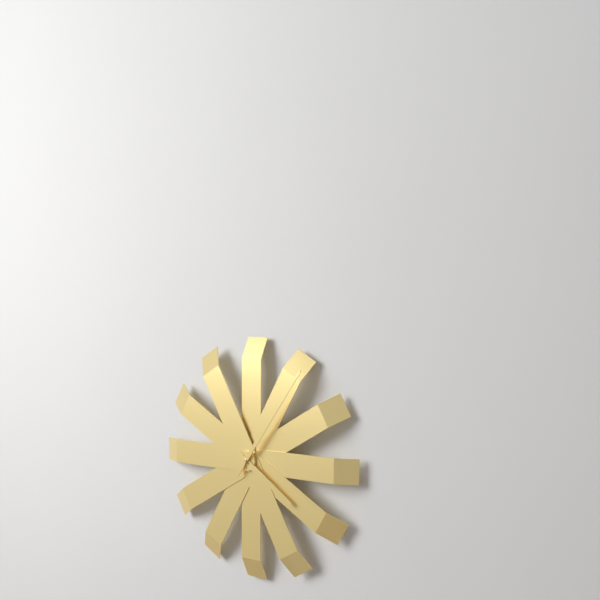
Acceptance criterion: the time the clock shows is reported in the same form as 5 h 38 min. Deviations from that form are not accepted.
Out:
4 h 06 min
